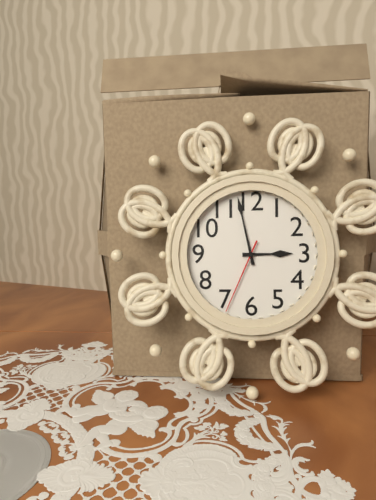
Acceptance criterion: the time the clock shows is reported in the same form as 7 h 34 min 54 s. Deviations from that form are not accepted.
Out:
2 h 58 min 34 s
